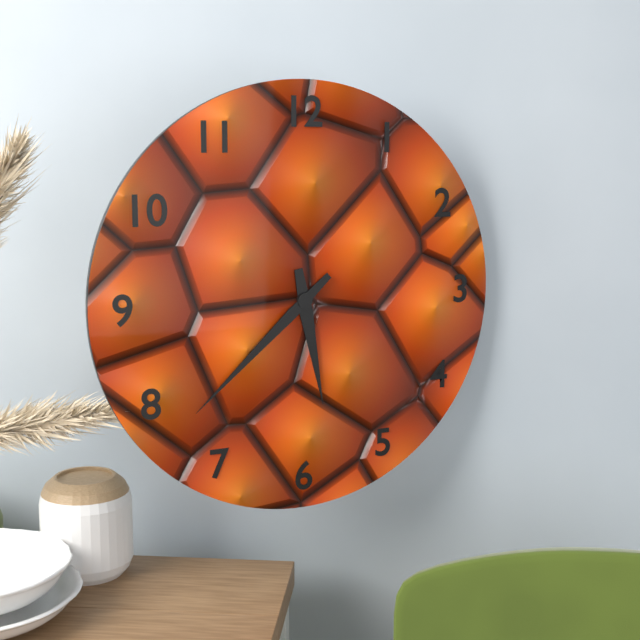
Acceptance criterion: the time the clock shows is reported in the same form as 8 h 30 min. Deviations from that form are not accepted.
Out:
5 h 38 min
